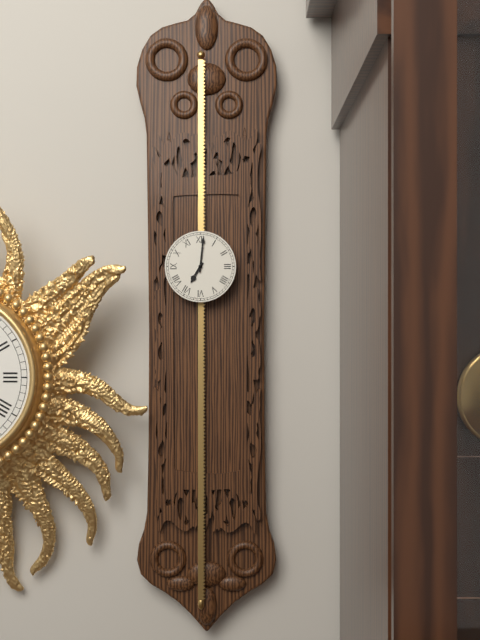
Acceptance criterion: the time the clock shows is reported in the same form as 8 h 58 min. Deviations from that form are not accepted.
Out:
7 h 01 min
